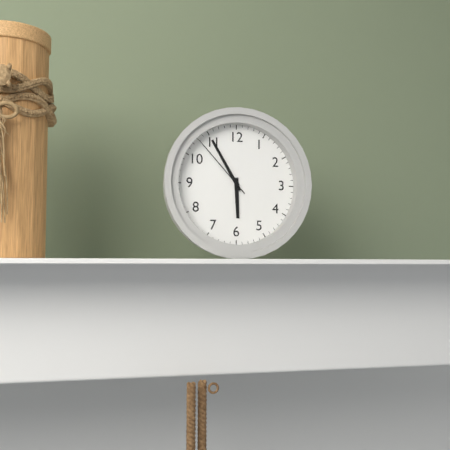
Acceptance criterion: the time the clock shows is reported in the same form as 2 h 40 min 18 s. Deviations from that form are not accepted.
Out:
5 h 55 min 53 s
